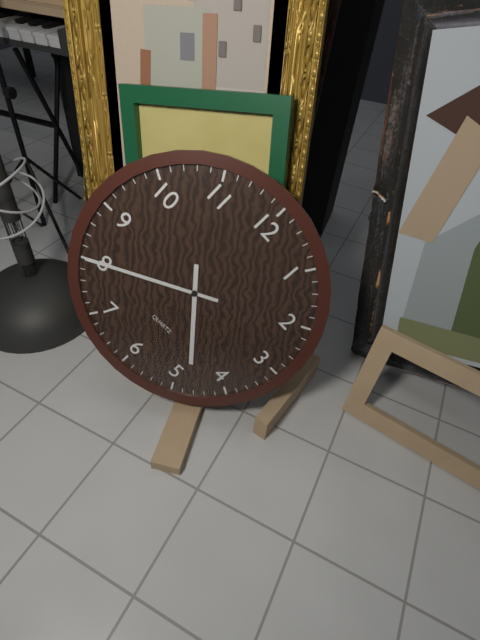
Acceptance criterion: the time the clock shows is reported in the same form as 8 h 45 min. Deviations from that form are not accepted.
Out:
4 h 40 min
